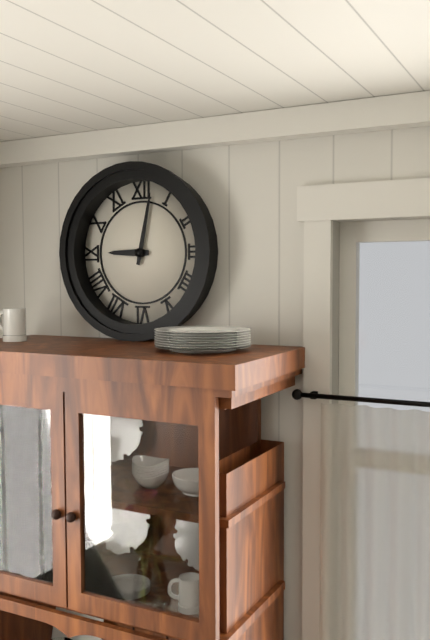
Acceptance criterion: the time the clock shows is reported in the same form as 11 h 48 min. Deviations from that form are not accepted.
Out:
9 h 02 min
